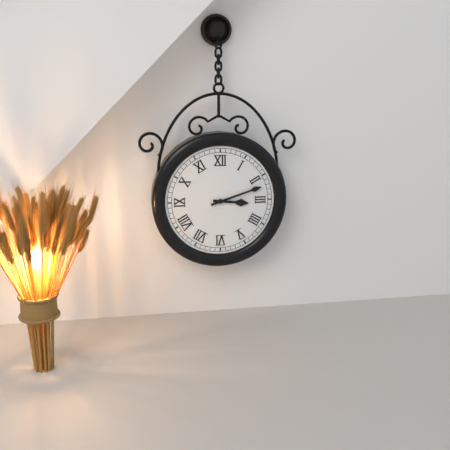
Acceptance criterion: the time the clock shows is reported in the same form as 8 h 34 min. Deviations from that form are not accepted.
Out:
3 h 12 min
